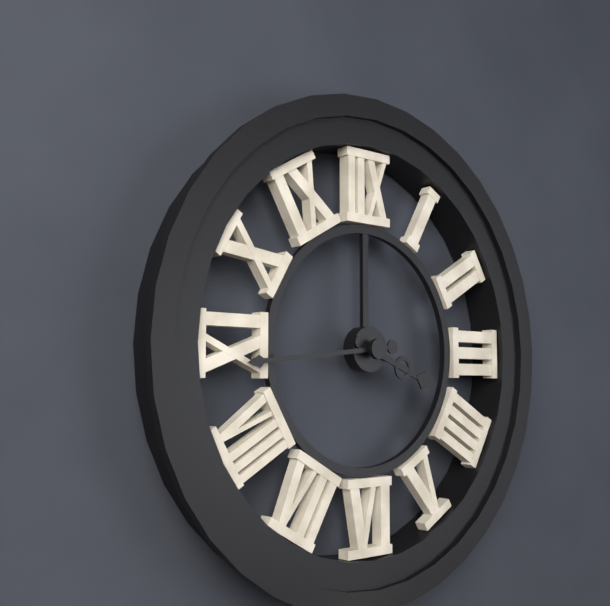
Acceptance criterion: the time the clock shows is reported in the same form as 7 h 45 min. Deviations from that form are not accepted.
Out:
3 h 44 min
